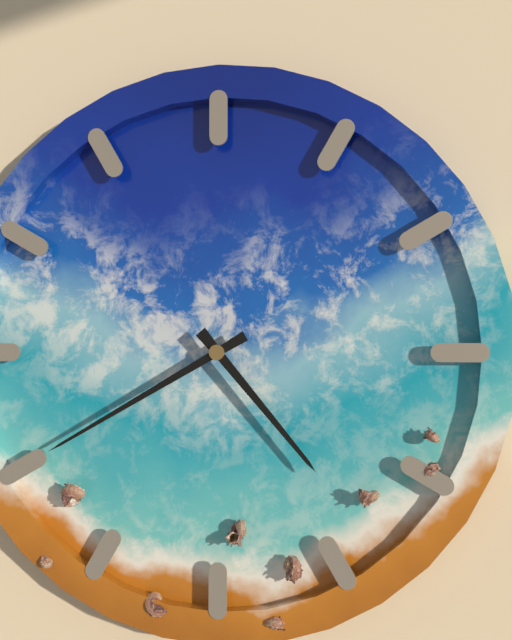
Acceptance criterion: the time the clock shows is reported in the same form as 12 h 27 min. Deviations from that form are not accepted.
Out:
4 h 40 min
